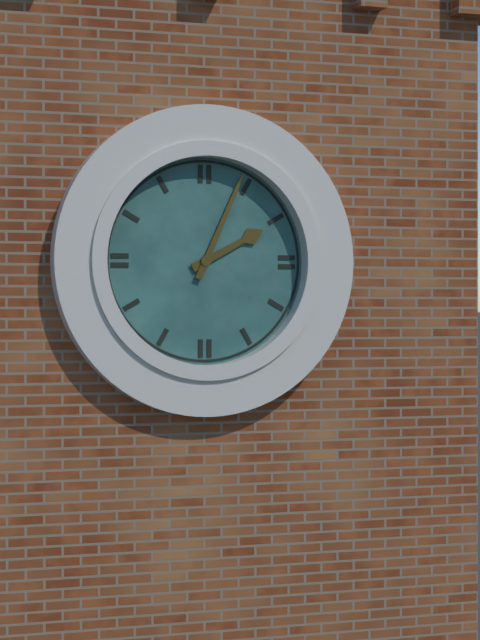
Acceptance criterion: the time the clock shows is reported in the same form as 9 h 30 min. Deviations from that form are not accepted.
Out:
2 h 04 min
